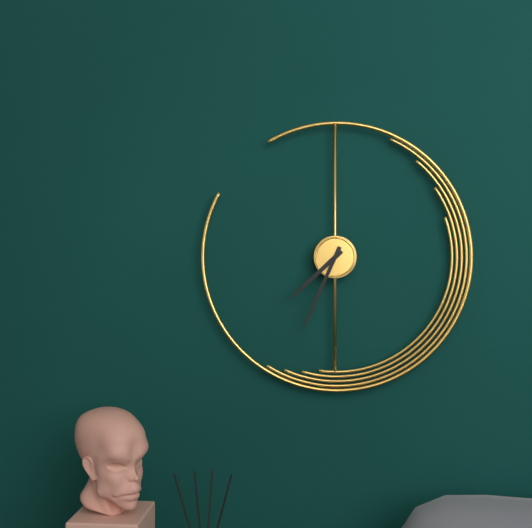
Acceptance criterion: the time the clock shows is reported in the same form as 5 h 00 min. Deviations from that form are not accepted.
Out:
7 h 34 min
